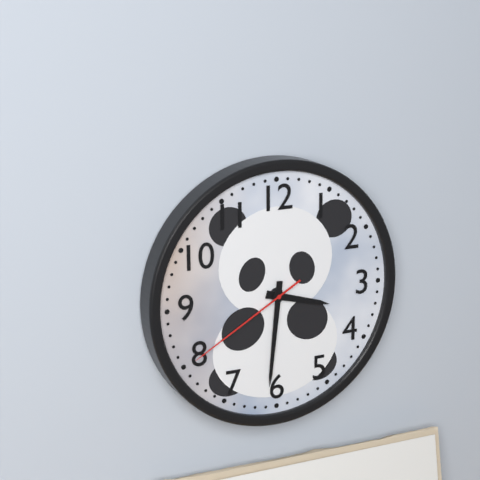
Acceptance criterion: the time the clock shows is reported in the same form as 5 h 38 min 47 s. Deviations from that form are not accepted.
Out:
3 h 31 min 40 s
